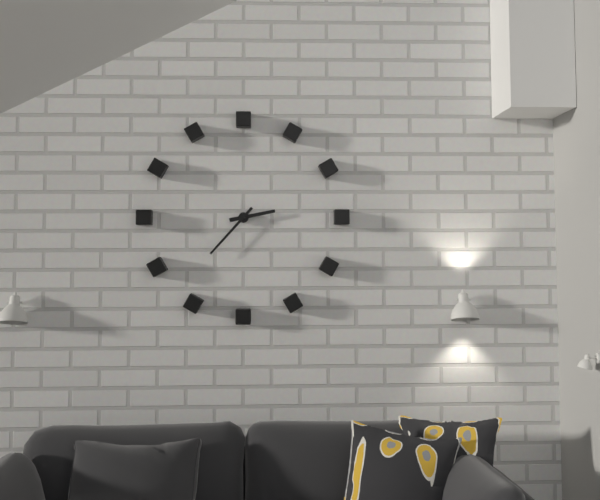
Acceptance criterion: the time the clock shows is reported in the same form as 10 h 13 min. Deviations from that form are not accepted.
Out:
2 h 37 min
